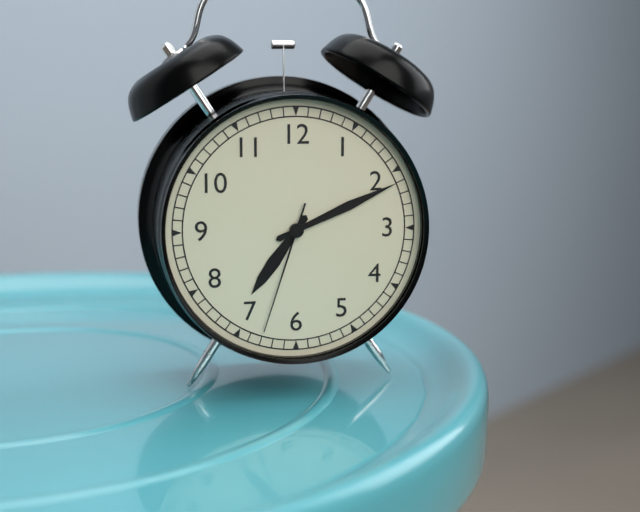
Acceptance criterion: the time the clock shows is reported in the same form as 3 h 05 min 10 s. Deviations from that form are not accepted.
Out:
7 h 11 min 33 s
